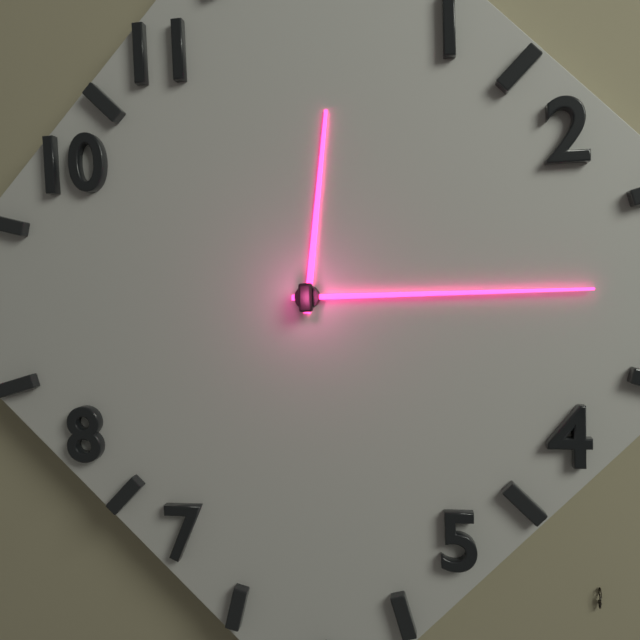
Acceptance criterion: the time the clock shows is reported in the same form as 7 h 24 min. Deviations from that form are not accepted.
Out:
12 h 15 min
